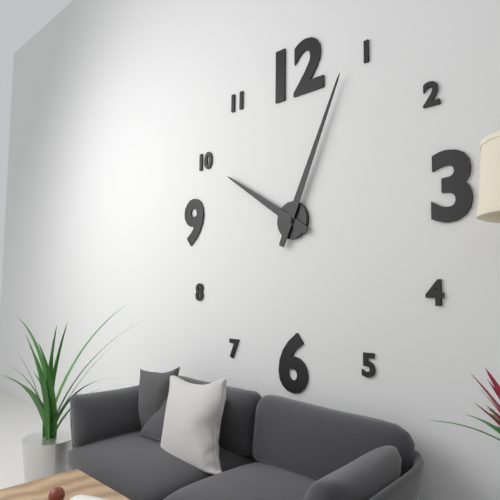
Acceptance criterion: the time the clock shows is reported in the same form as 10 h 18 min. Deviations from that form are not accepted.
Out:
10 h 04 min
